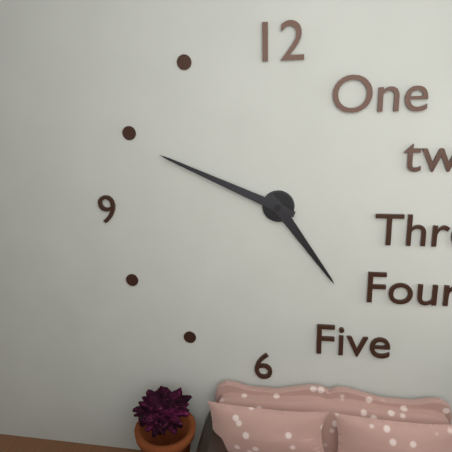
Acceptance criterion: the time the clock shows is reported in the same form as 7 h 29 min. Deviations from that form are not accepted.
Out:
4 h 49 min
